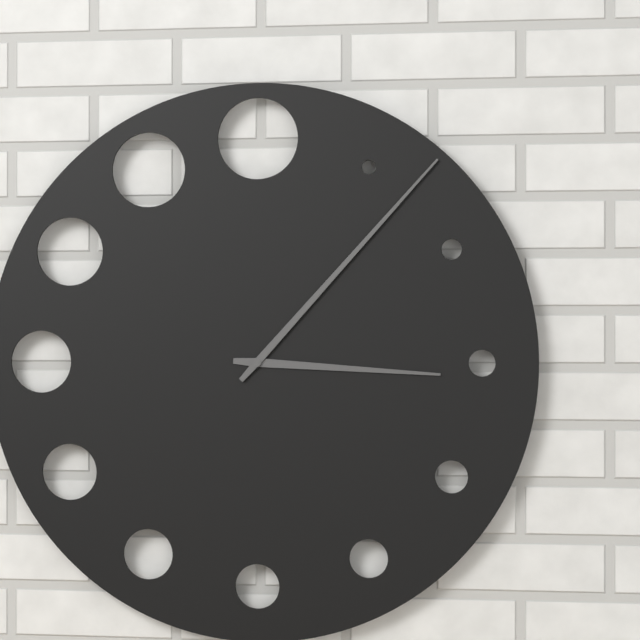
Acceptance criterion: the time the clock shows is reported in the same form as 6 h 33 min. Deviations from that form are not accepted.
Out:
3 h 07 min
